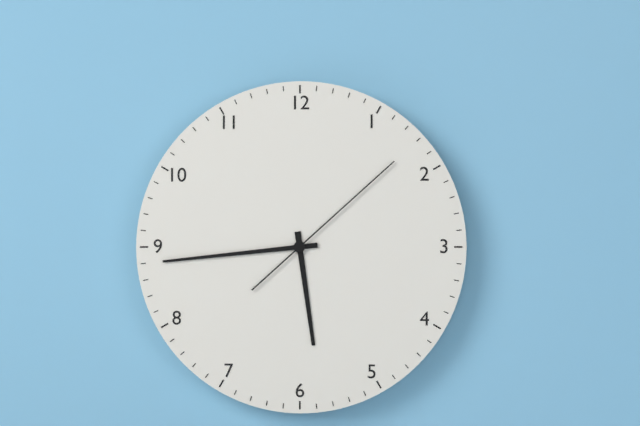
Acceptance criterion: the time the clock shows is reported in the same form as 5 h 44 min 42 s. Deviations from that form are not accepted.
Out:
5 h 44 min 08 s
